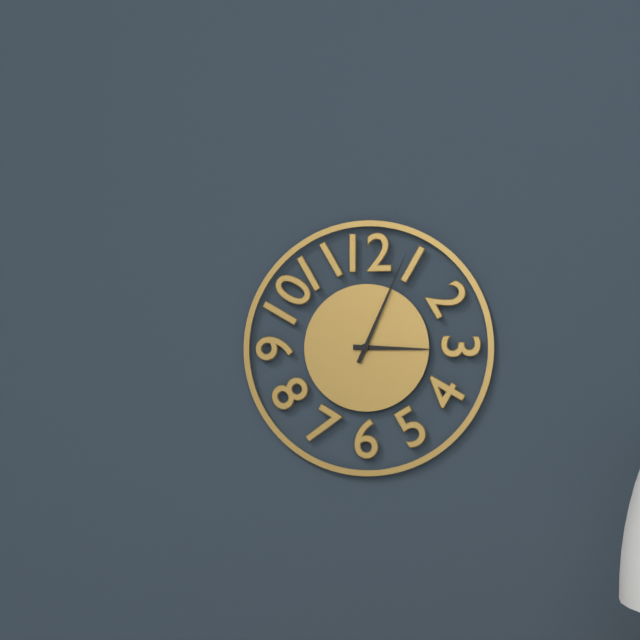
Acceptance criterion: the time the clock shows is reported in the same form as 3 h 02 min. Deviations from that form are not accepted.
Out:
3 h 04 min
